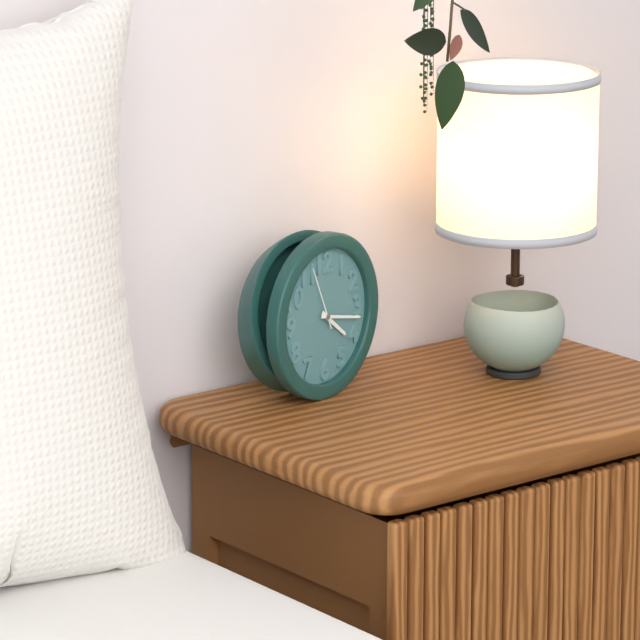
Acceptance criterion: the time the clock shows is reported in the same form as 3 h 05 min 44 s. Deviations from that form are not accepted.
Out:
4 h 17 min 56 s
